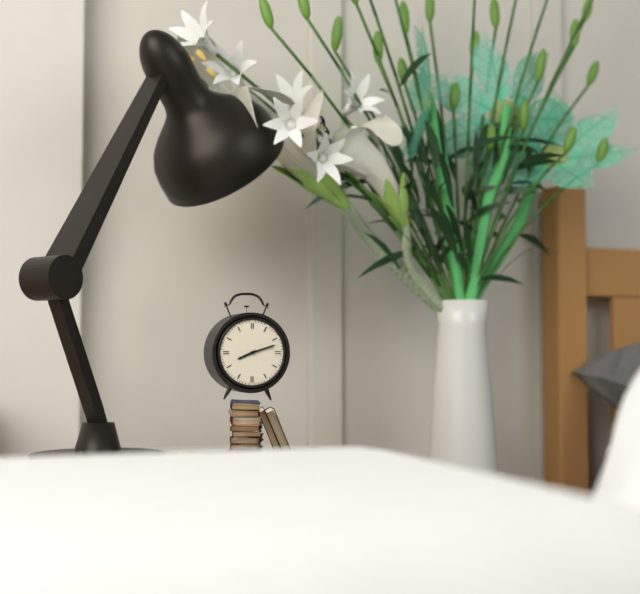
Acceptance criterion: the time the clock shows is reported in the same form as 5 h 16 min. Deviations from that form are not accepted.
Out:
8 h 12 min
